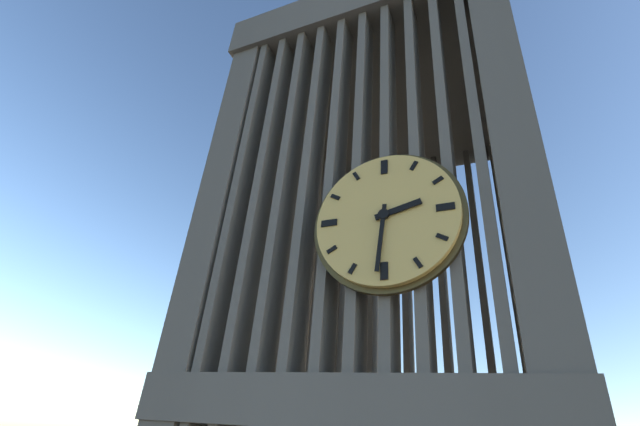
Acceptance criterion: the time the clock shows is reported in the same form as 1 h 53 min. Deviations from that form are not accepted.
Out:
2 h 31 min
